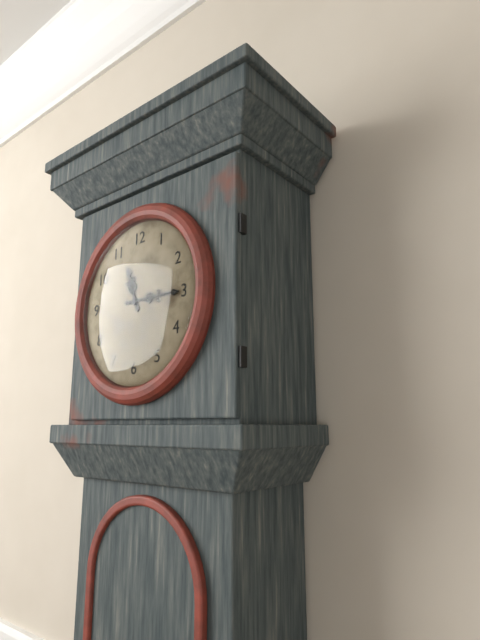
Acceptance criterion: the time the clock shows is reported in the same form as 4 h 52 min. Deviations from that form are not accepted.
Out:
11 h 15 min
